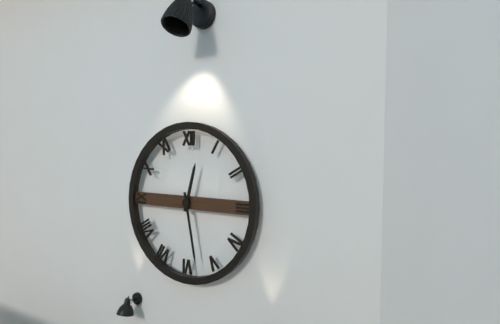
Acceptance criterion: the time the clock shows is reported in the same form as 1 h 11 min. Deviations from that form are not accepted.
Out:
12 h 28 min
